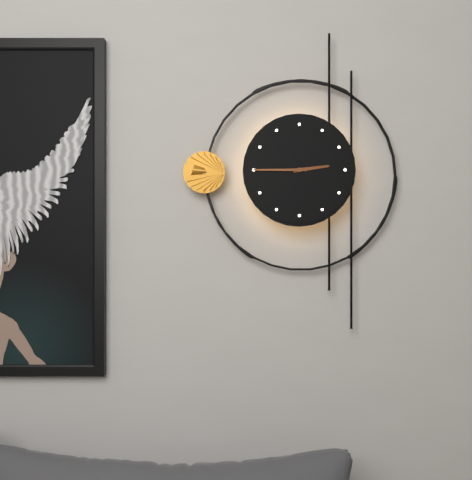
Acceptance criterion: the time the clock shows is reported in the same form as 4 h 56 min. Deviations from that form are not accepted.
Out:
2 h 45 min
